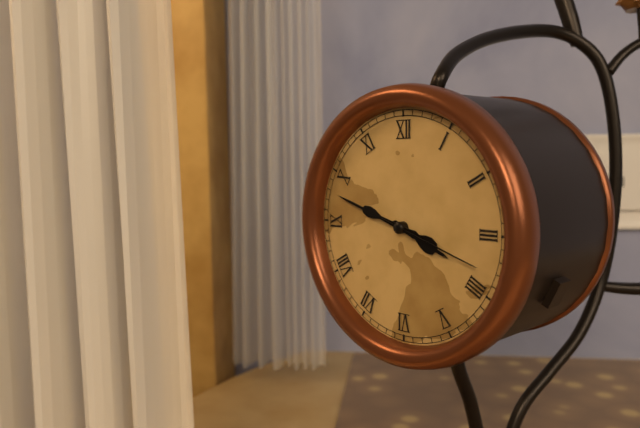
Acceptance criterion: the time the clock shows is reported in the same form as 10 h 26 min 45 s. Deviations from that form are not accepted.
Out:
3 h 48 min 18 s
